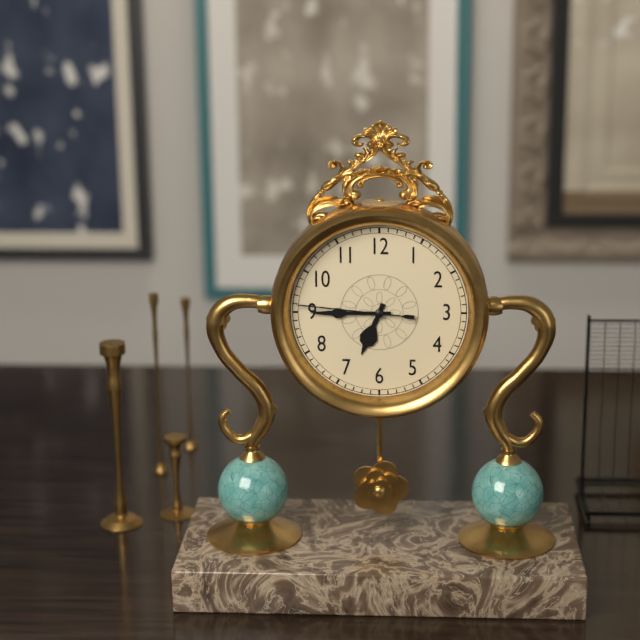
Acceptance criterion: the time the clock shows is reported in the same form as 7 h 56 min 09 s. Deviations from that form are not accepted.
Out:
6 h 45 min 46 s
